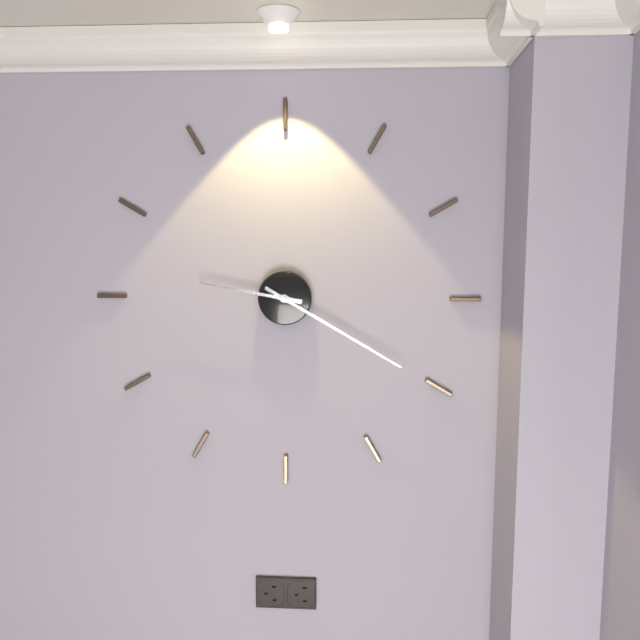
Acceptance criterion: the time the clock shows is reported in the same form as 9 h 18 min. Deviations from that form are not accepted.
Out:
9 h 20 min
